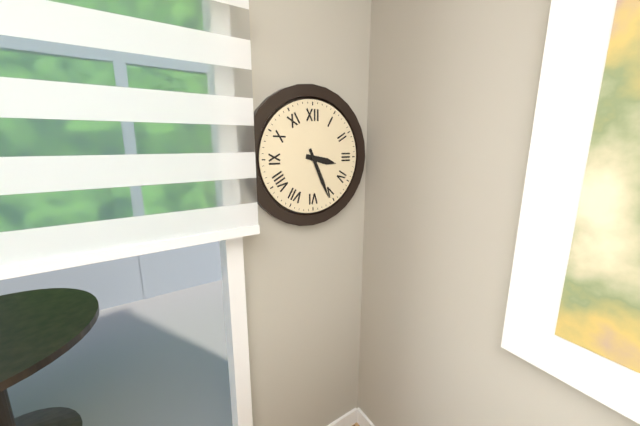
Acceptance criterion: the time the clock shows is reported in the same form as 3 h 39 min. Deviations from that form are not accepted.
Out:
3 h 26 min
